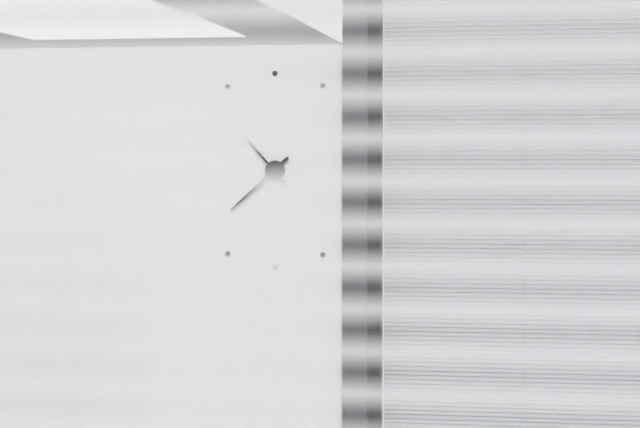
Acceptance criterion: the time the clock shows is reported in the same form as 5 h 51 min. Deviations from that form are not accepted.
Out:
10 h 38 min
